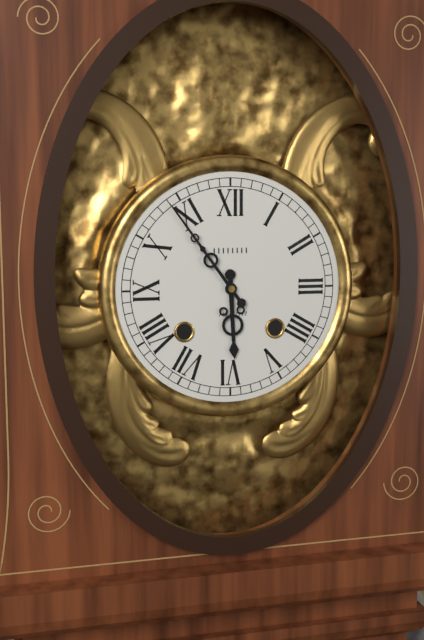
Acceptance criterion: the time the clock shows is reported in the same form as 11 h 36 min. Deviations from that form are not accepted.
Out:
5 h 54 min
